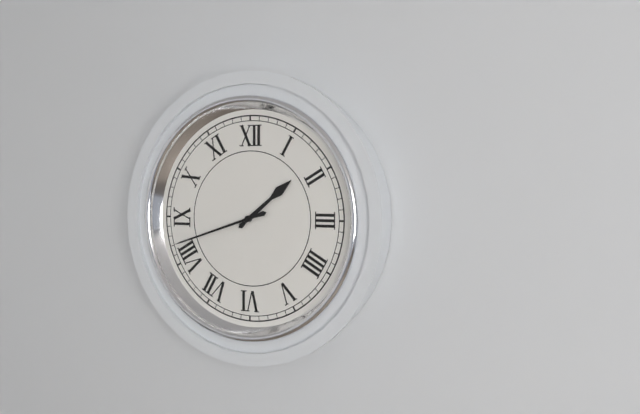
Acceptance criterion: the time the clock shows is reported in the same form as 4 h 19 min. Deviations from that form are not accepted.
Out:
1 h 42 min
